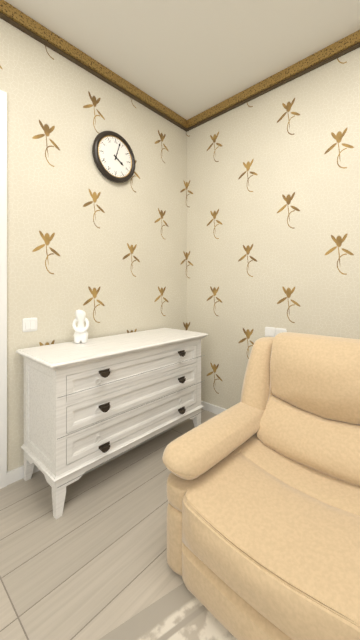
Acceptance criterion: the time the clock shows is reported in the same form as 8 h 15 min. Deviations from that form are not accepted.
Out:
4 h 03 min
